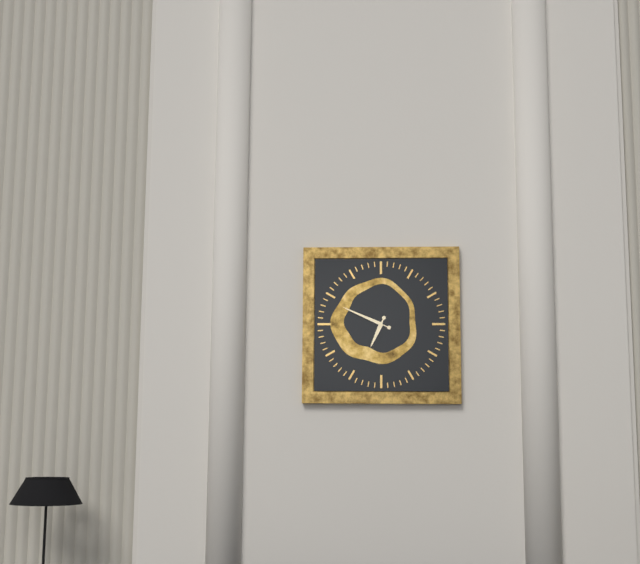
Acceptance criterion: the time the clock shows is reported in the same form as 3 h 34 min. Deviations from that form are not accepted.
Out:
6 h 49 min
